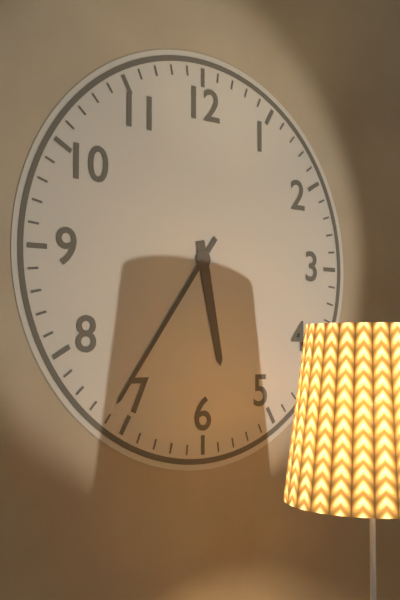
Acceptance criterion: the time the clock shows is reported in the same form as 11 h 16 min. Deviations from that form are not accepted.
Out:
5 h 36 min
